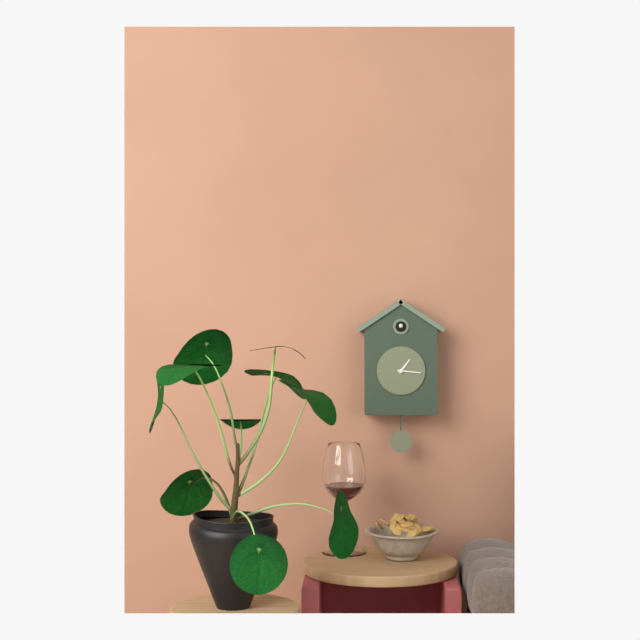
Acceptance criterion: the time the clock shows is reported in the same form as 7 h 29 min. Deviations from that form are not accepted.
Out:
1 h 16 min
